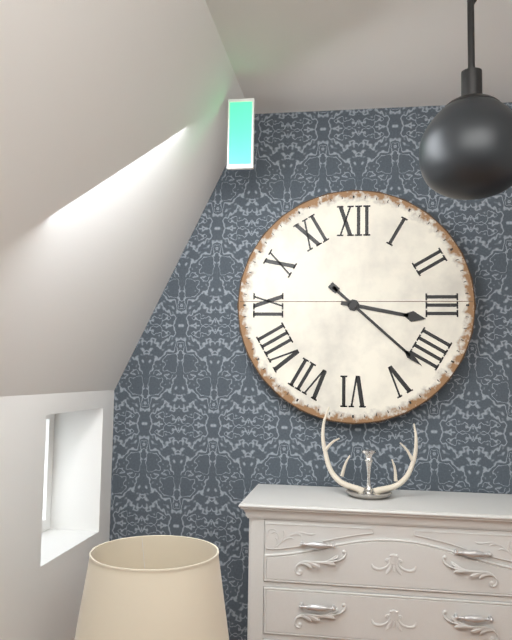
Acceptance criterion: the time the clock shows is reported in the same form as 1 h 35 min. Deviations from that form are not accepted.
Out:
3 h 22 min
